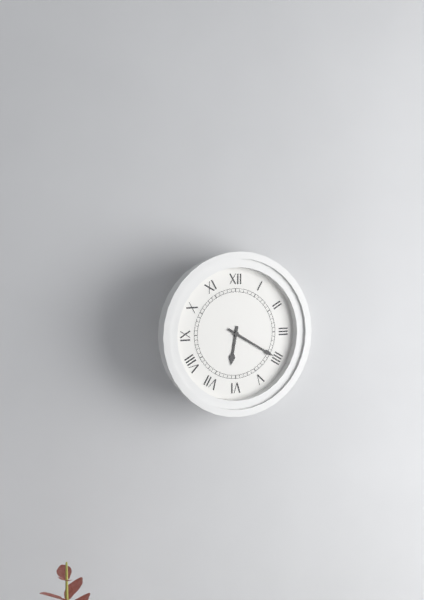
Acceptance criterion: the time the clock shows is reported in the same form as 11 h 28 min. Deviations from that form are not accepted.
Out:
6 h 20 min
